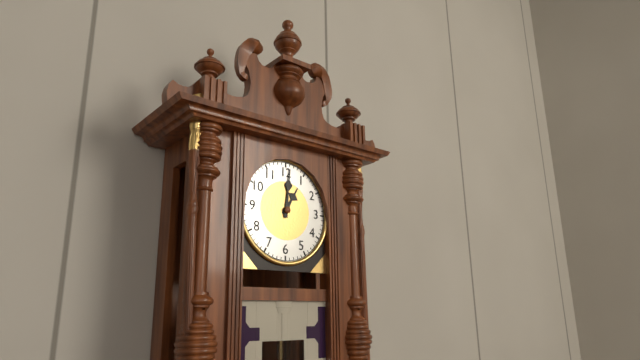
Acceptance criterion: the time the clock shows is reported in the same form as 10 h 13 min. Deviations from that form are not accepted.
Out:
1 h 01 min
